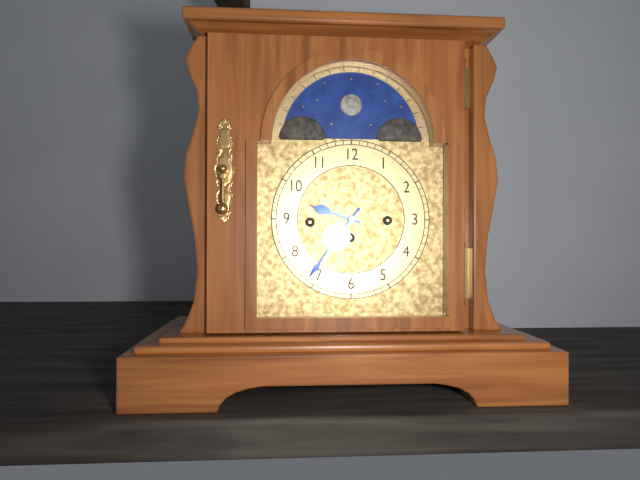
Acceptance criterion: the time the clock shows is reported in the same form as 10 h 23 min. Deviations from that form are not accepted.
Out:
9 h 36 min
